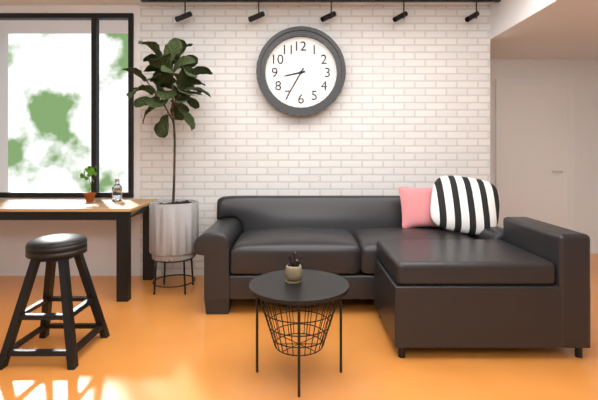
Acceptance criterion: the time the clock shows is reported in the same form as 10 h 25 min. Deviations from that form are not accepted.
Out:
8 h 35 min
